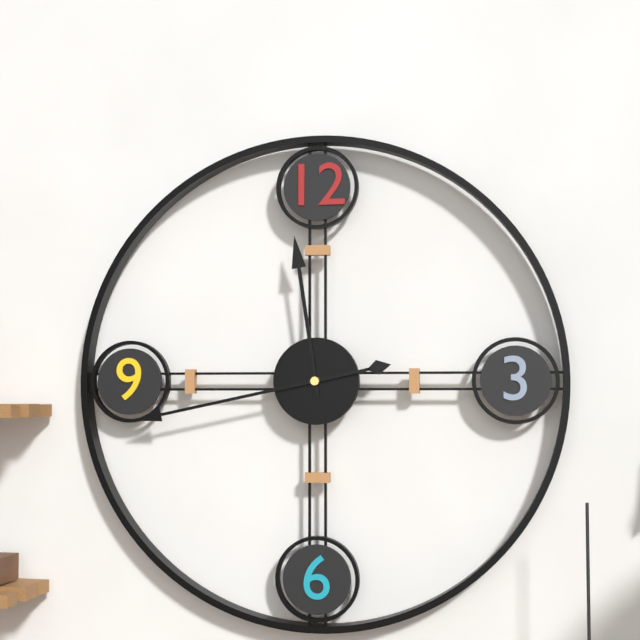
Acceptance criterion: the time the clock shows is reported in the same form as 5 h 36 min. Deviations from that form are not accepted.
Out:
11 h 43 min
